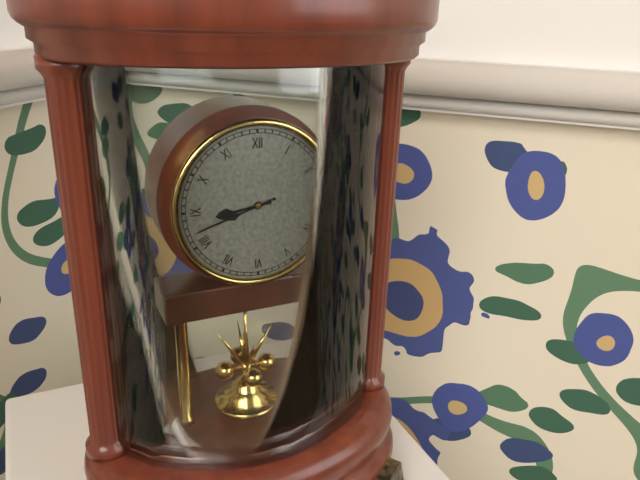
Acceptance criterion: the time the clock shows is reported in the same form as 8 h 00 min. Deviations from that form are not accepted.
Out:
8 h 42 min
